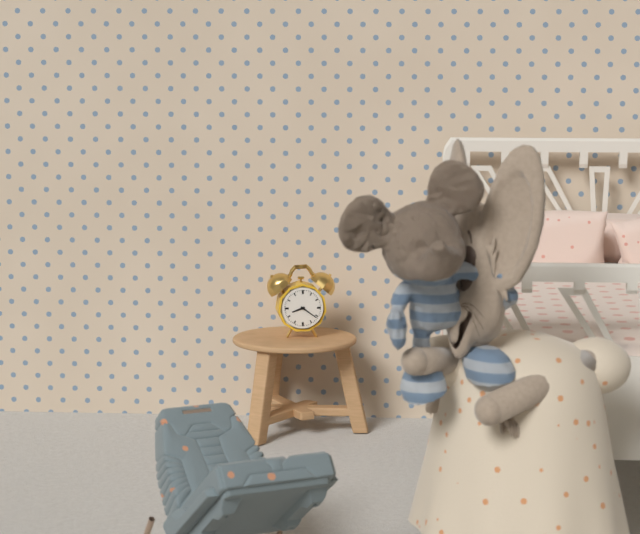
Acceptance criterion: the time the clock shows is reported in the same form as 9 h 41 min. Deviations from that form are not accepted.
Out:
8 h 21 min
